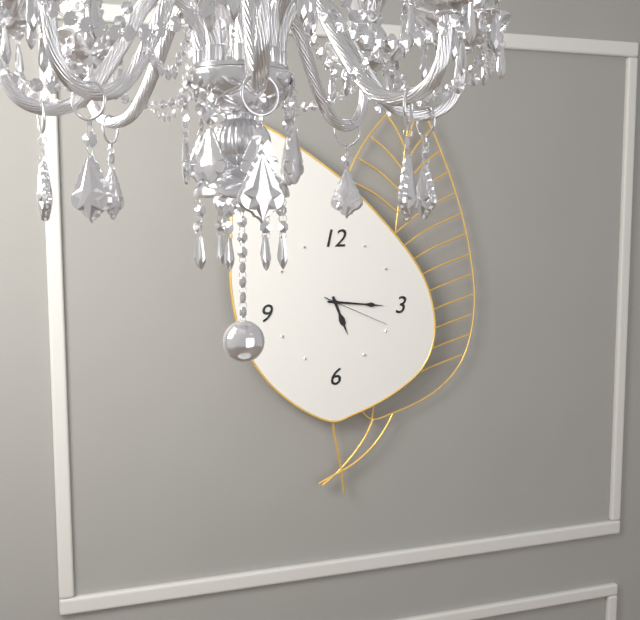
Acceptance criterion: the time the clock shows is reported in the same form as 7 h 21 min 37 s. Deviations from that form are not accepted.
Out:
5 h 16 min 19 s
